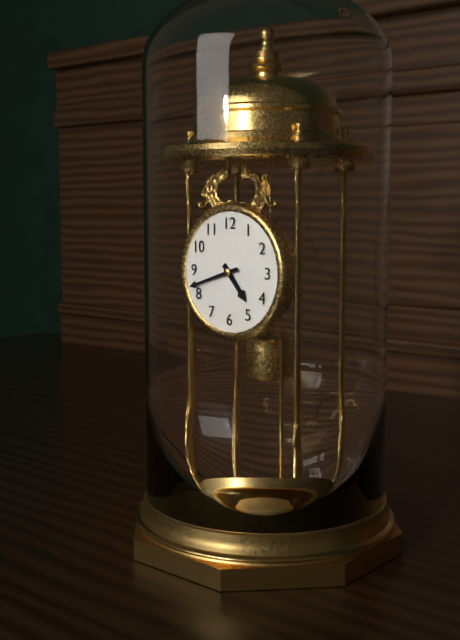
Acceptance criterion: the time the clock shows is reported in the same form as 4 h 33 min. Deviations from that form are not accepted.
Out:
4 h 42 min
